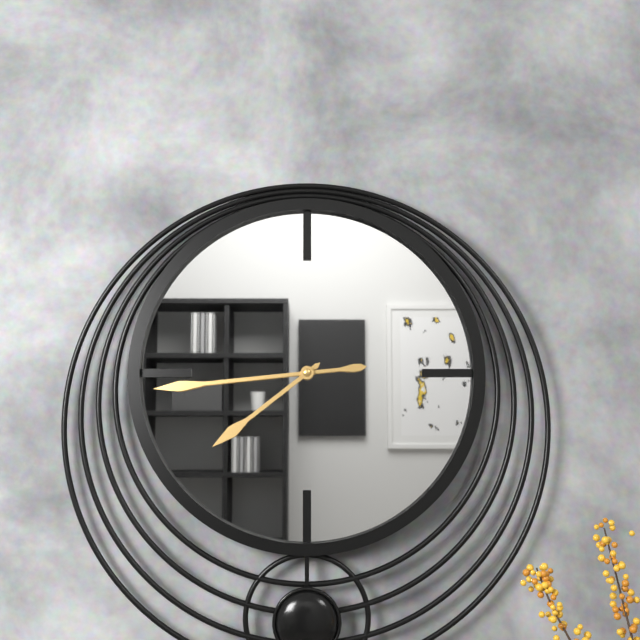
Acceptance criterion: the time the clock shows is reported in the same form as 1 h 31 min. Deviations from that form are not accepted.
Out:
7 h 44 min
